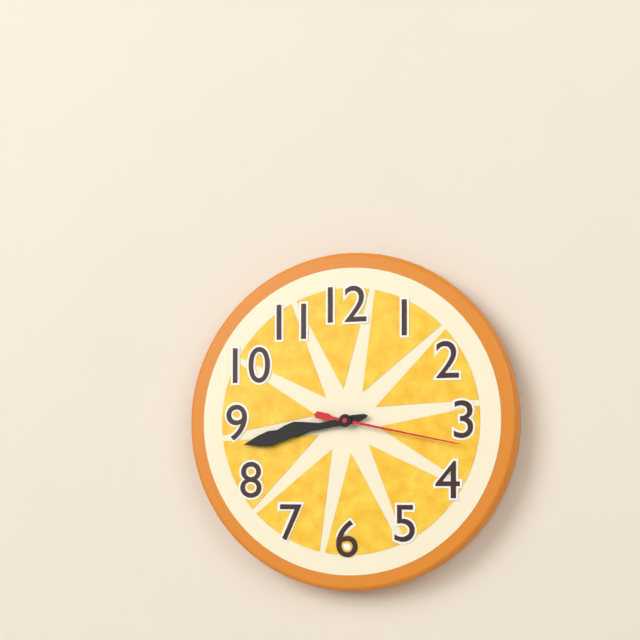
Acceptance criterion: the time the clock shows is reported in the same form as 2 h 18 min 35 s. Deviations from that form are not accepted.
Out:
8 h 43 min 17 s
